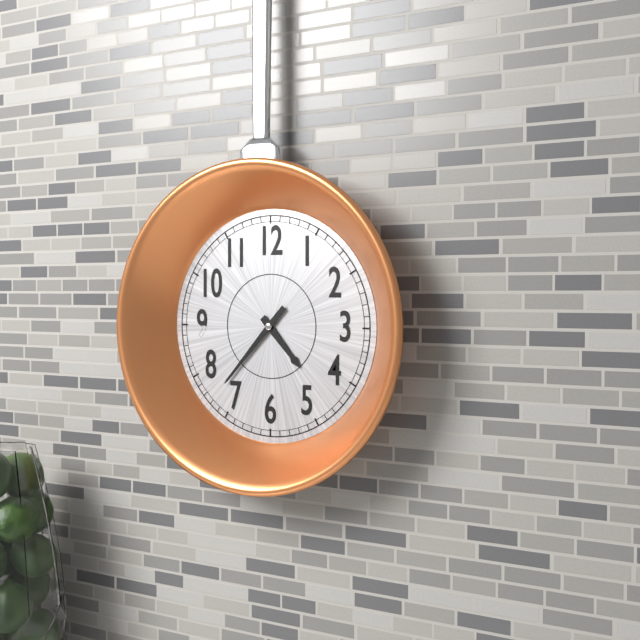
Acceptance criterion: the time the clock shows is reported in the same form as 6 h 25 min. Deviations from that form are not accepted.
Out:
4 h 37 min
